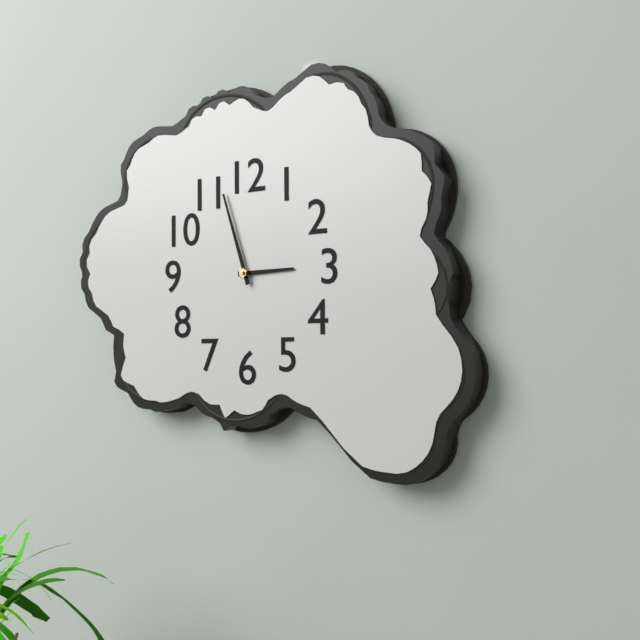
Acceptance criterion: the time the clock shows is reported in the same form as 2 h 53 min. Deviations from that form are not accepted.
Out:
2 h 57 min
